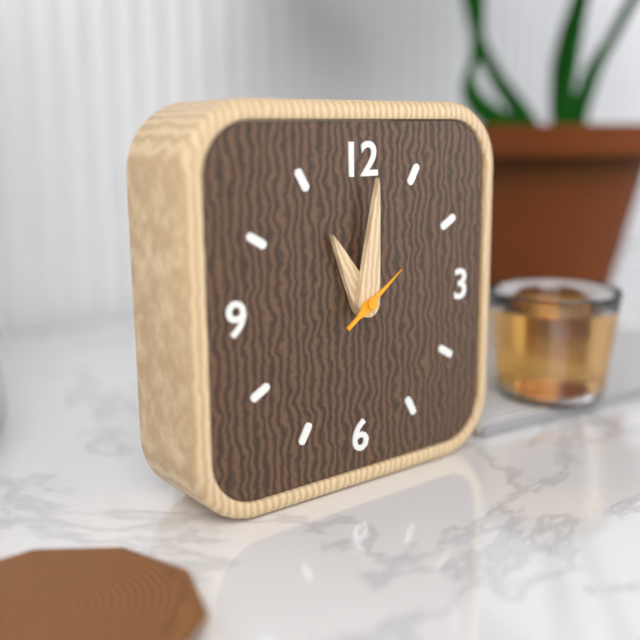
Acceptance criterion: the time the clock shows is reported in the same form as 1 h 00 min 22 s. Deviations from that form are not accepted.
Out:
11 h 01 min 09 s
